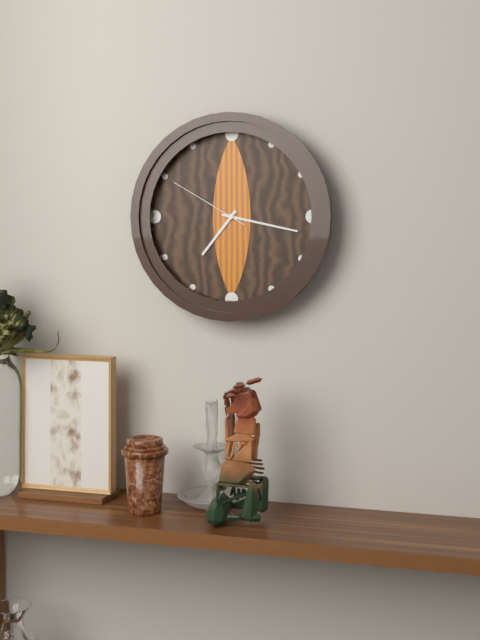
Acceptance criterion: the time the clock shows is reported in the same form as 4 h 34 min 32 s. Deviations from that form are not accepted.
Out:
7 h 17 min 50 s
